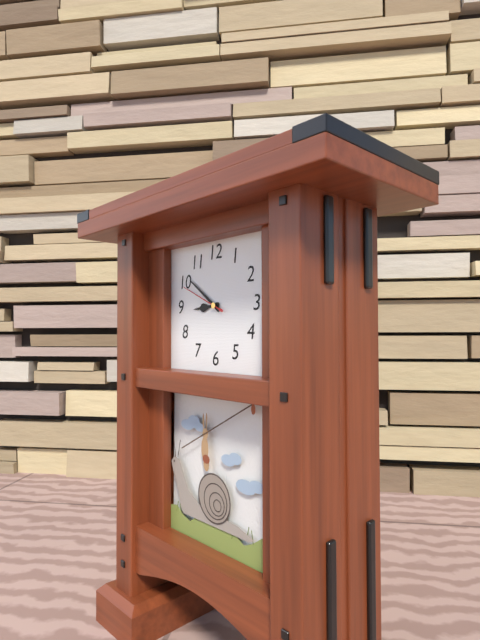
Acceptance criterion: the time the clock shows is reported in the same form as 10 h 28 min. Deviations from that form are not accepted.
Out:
8 h 51 min
